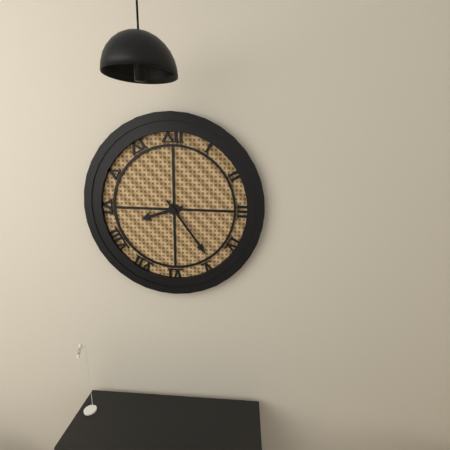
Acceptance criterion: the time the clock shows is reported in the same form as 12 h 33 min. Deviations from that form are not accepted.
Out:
8 h 24 min
